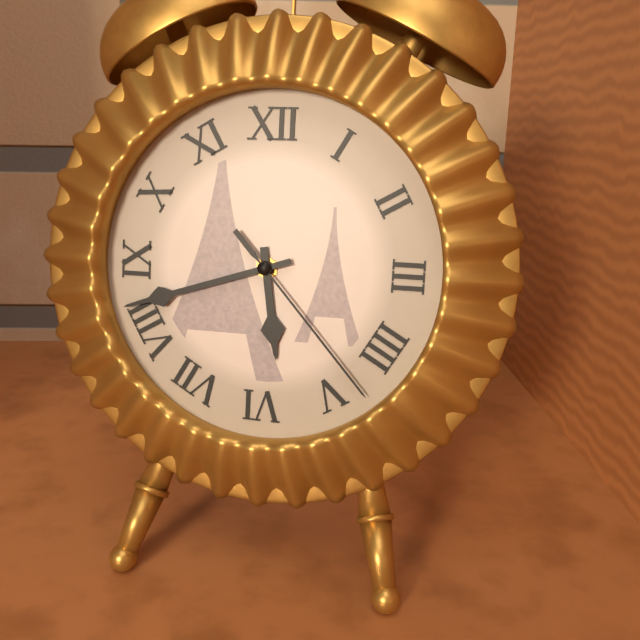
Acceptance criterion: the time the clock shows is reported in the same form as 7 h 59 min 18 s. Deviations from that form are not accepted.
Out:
5 h 42 min 23 s
